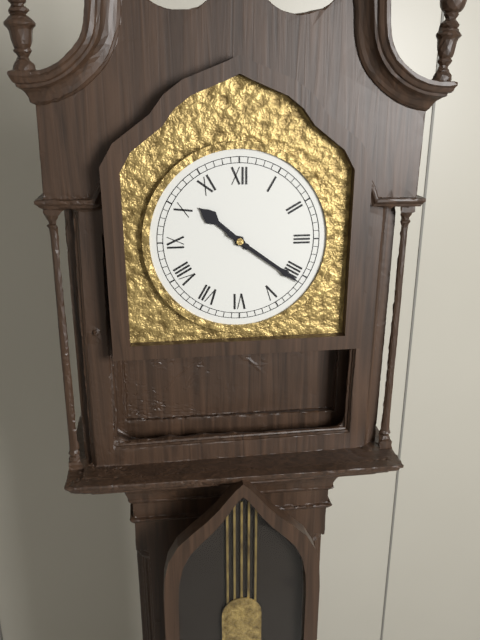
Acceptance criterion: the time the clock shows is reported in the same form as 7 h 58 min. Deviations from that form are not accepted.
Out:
10 h 21 min
